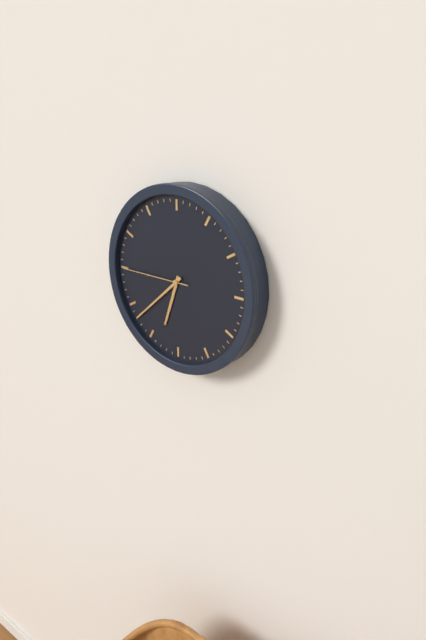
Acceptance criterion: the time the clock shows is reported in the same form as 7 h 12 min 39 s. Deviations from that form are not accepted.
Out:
6 h 38 min 45 s
